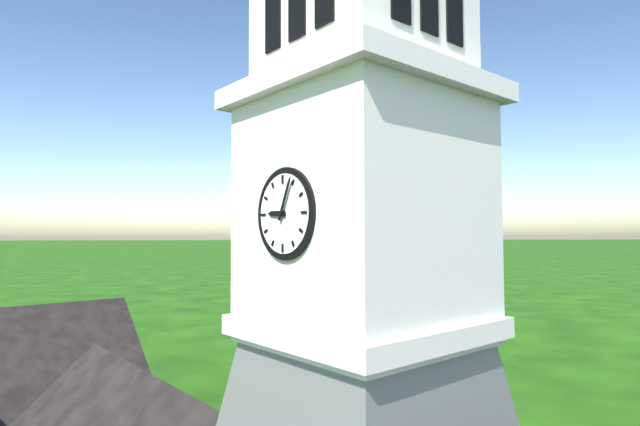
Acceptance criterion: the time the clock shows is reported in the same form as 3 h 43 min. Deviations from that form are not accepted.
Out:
9 h 04 min
